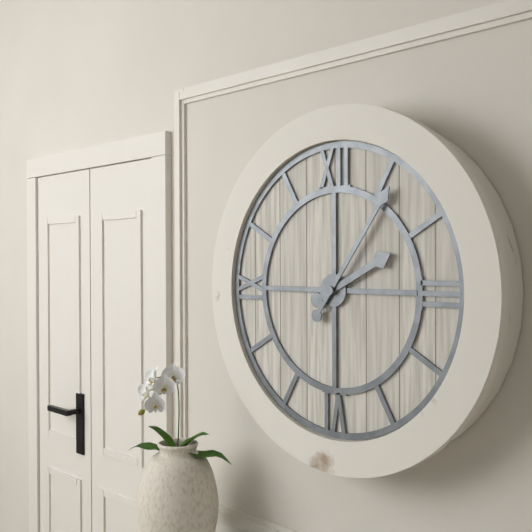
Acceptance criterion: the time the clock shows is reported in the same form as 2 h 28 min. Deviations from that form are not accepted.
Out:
2 h 06 min
